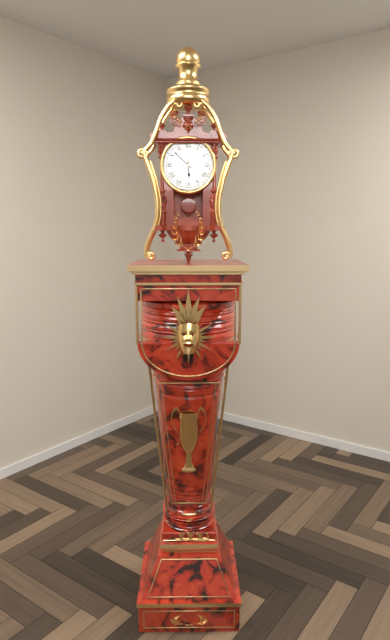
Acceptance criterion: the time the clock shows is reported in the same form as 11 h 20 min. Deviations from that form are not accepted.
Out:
5 h 52 min
